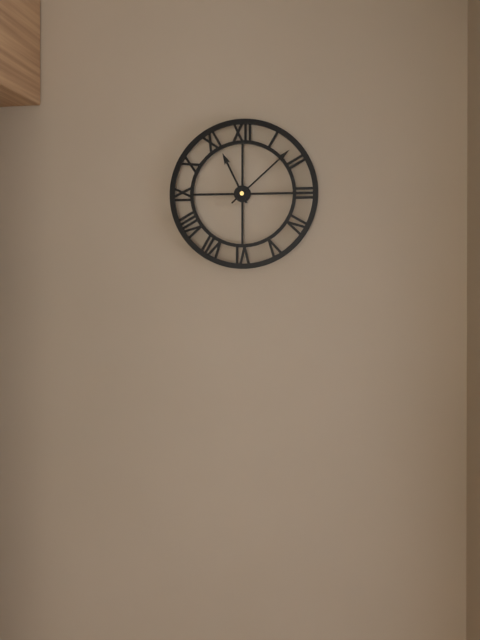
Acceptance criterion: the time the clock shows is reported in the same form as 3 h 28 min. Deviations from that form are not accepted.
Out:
11 h 08 min
